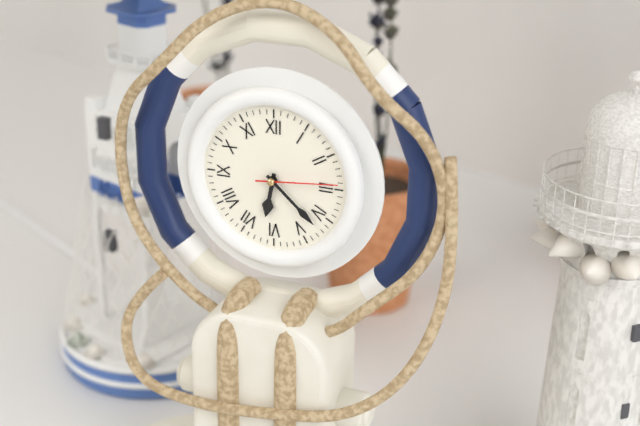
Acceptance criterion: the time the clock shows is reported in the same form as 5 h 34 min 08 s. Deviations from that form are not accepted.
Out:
6 h 22 min 14 s
